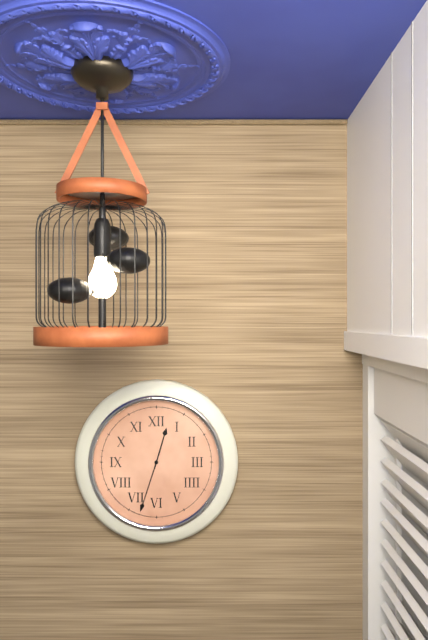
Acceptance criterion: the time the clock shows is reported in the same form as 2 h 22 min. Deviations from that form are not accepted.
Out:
12 h 33 min
